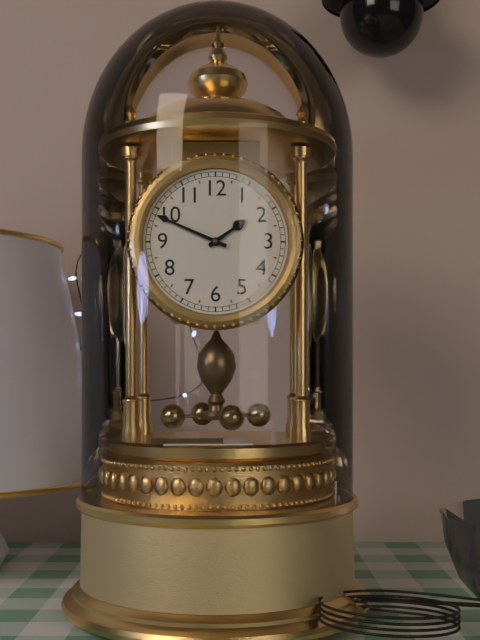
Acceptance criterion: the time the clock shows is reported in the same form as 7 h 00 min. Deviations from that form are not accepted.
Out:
1 h 49 min
